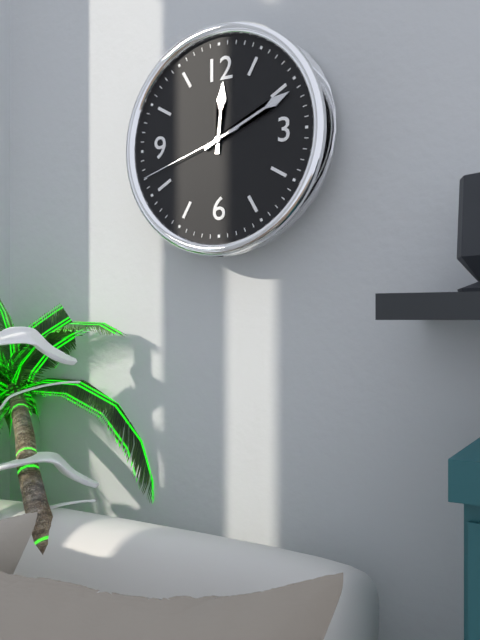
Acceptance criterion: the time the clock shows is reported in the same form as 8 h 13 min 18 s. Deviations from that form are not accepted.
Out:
12 h 11 min 42 s
